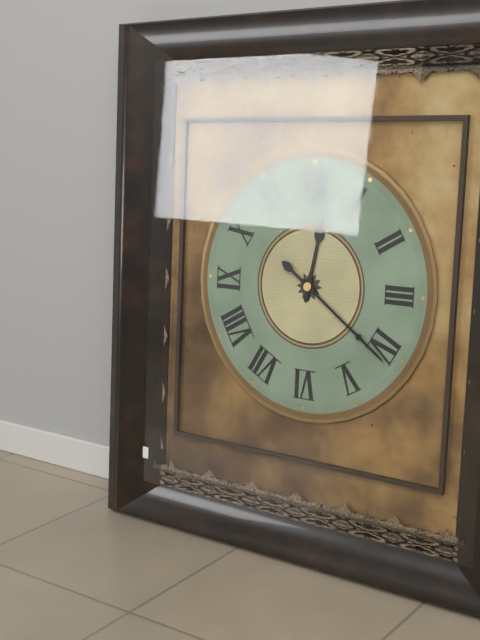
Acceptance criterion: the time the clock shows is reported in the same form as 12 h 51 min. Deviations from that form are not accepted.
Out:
12 h 21 min
